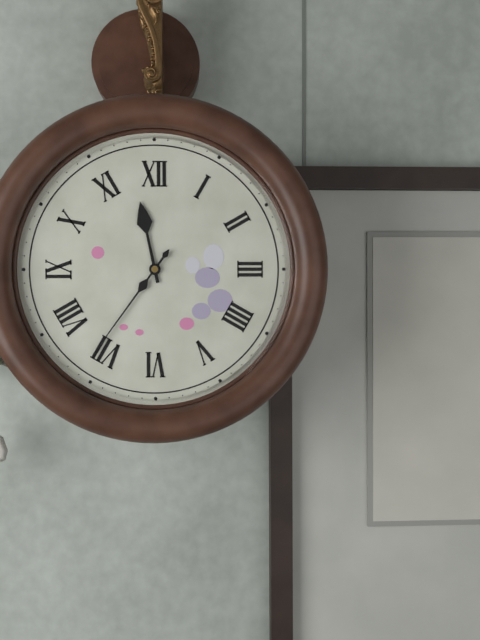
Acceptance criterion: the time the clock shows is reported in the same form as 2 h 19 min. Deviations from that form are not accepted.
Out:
11 h 36 min
